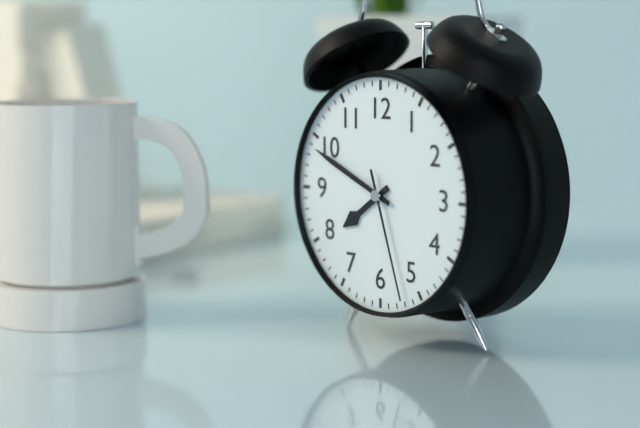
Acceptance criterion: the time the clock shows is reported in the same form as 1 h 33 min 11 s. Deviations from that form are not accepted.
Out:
7 h 49 min 27 s
